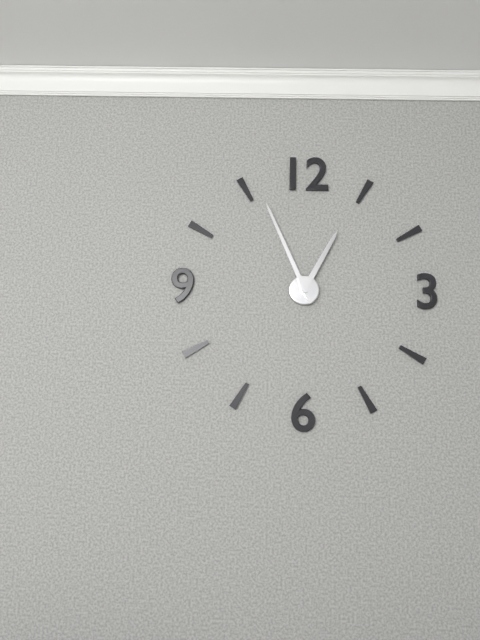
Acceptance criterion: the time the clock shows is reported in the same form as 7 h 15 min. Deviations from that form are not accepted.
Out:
12 h 56 min
